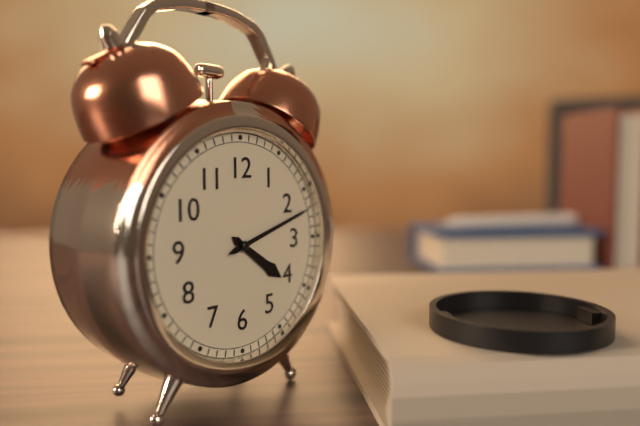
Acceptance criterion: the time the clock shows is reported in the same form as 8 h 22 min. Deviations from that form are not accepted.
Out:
4 h 12 min
